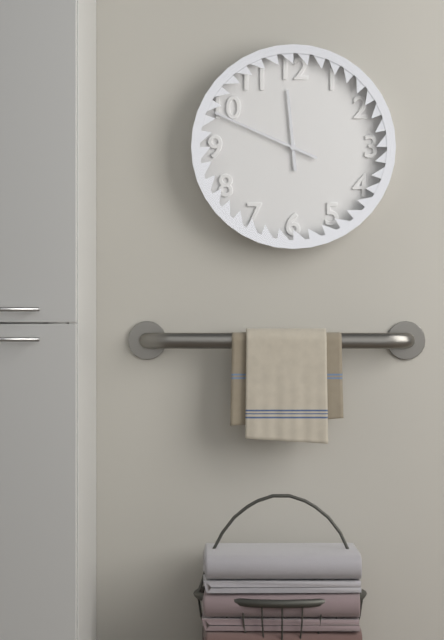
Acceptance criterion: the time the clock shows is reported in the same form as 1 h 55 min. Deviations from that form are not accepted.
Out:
11 h 49 min
